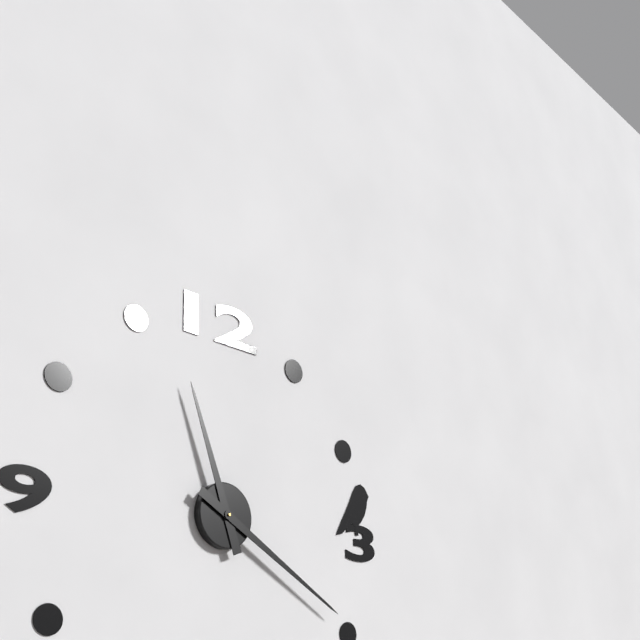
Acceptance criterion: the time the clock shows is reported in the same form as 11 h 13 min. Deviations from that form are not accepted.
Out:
11 h 20 min
